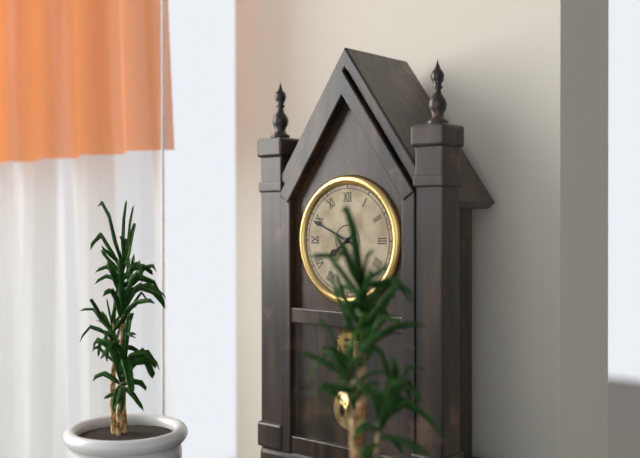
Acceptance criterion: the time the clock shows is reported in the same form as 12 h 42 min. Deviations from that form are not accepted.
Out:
7 h 49 min
